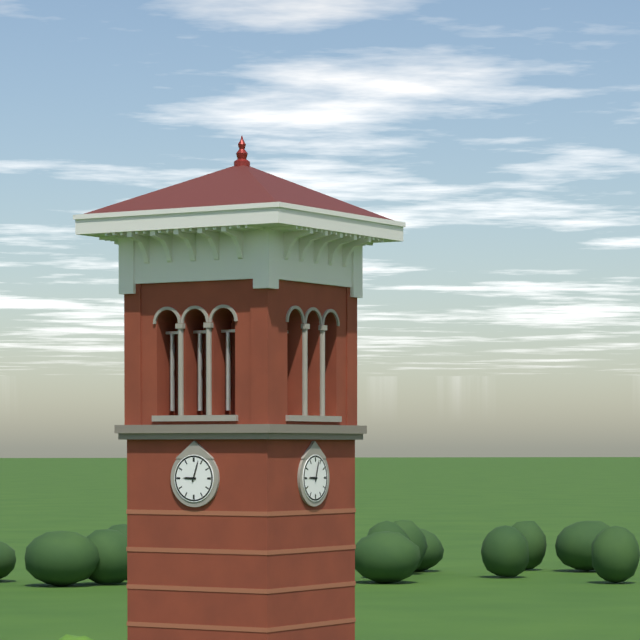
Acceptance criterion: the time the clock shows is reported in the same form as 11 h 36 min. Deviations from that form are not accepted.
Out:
9 h 03 min
